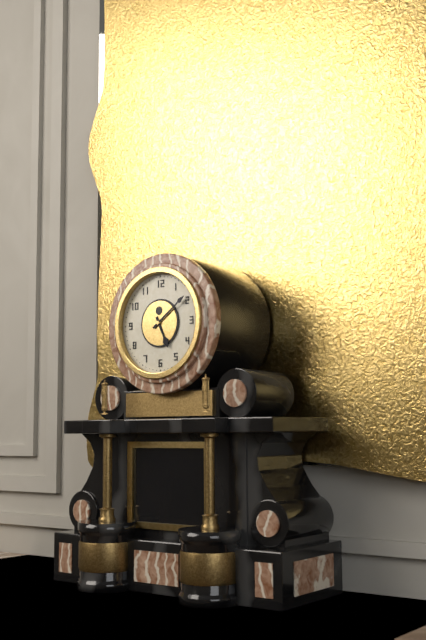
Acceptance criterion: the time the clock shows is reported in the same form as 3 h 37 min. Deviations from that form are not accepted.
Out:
5 h 09 min
